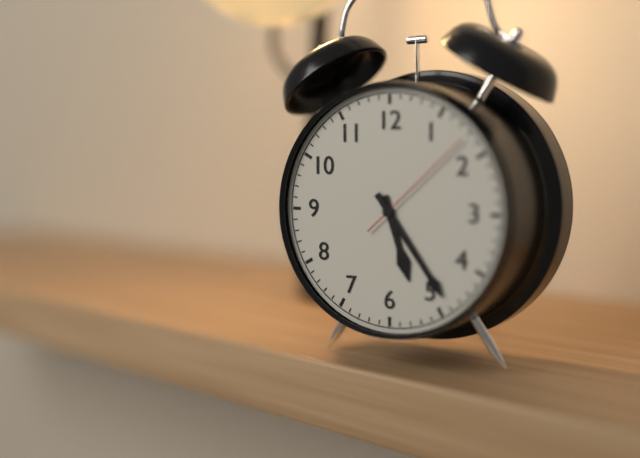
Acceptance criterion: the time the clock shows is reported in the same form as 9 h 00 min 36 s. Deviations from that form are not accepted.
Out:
5 h 24 min 08 s
